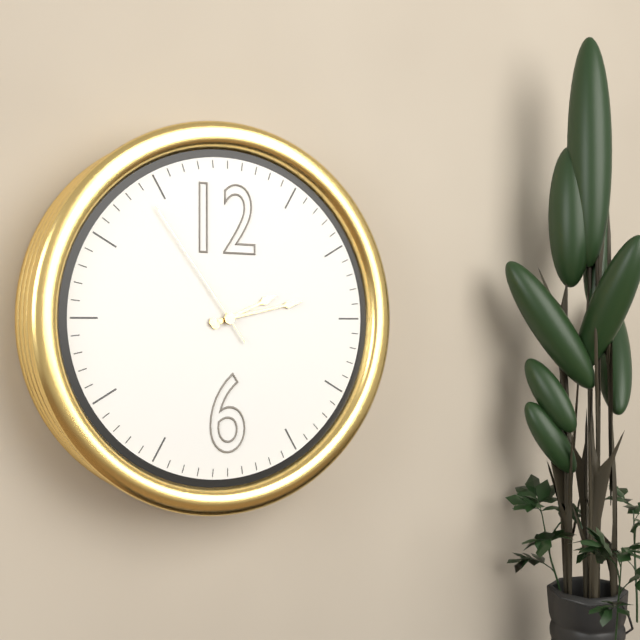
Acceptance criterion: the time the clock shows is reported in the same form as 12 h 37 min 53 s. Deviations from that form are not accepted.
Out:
2 h 13 min 54 s
